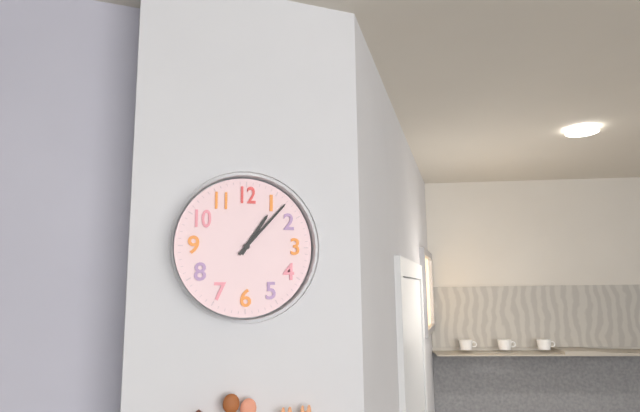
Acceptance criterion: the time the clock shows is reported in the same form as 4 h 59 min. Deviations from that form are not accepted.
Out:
1 h 07 min
